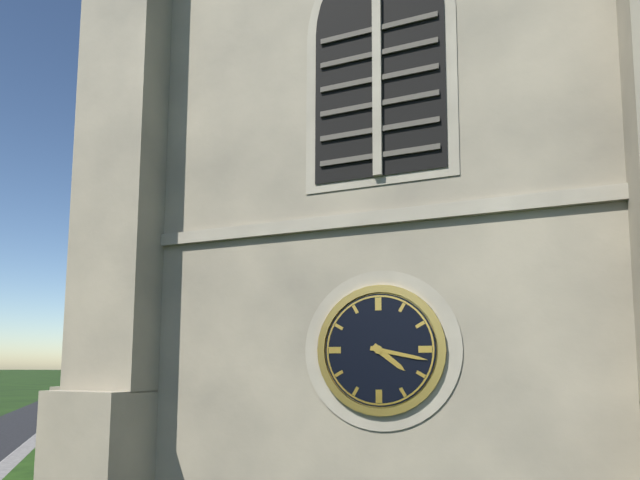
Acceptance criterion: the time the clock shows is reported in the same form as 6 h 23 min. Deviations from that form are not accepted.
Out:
4 h 17 min
